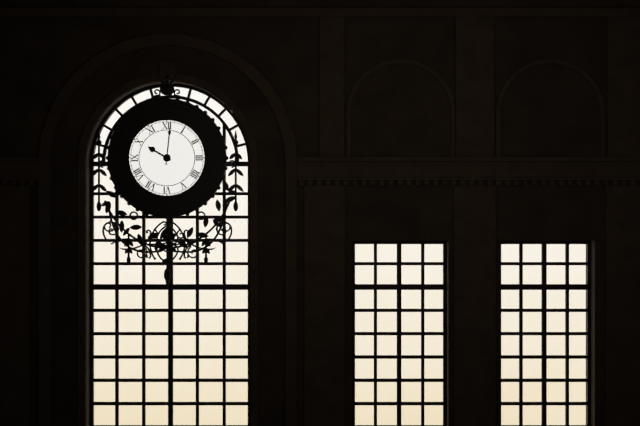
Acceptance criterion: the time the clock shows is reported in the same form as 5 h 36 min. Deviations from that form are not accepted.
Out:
10 h 01 min
